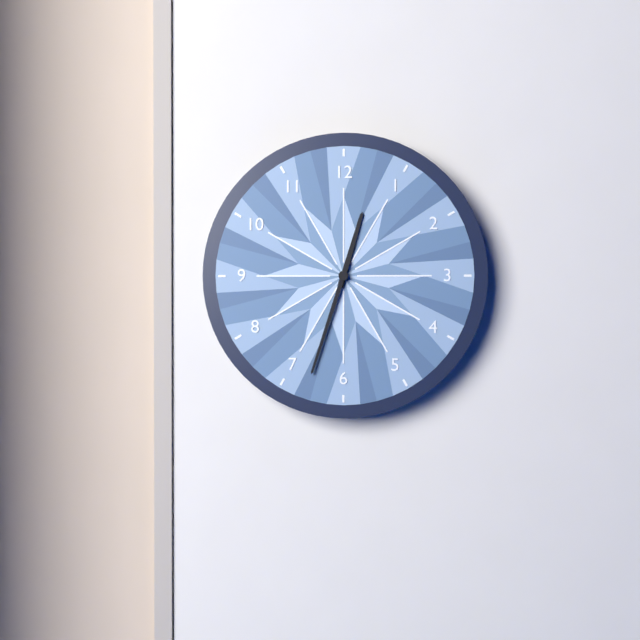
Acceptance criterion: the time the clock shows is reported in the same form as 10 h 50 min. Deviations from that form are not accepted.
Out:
12 h 33 min
